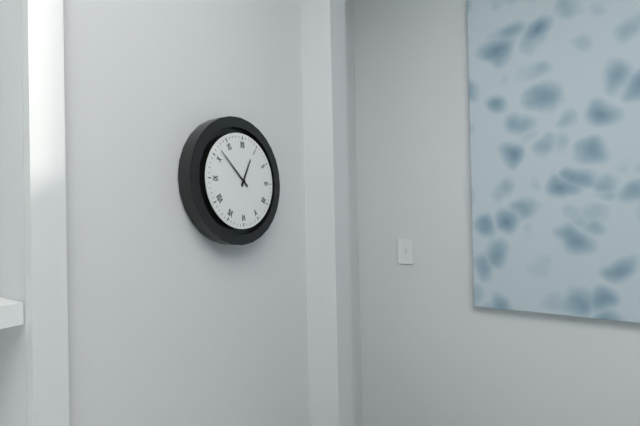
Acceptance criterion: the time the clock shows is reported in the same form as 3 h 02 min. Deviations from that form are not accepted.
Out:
12 h 52 min
